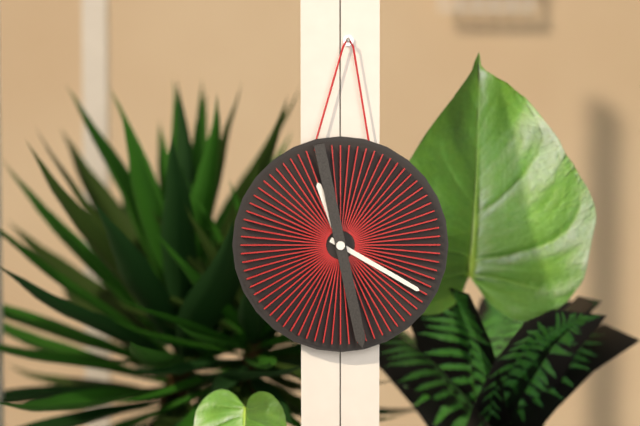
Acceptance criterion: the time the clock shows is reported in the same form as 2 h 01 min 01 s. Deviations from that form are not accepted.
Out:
11 h 20 min 28 s
